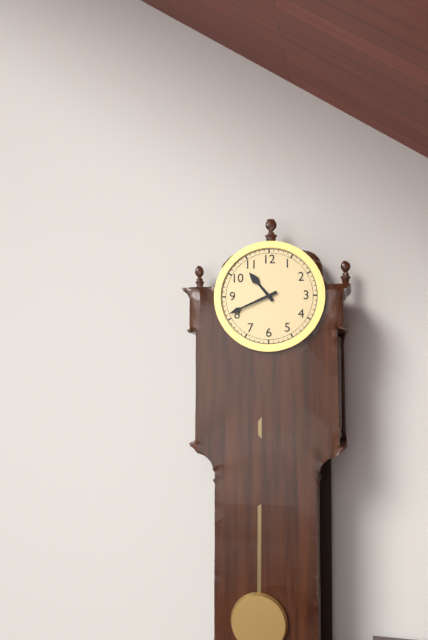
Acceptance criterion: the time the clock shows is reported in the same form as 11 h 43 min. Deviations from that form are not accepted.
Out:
10 h 41 min
